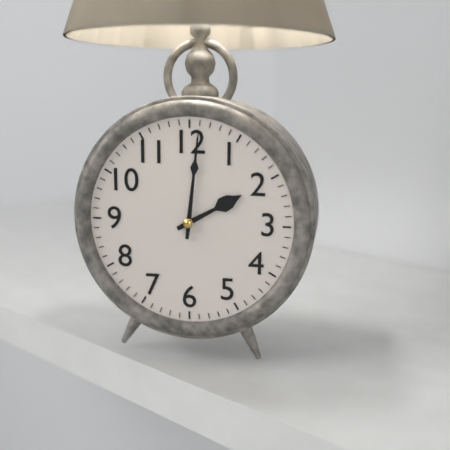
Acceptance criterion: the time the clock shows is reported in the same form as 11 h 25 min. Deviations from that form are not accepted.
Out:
2 h 01 min
